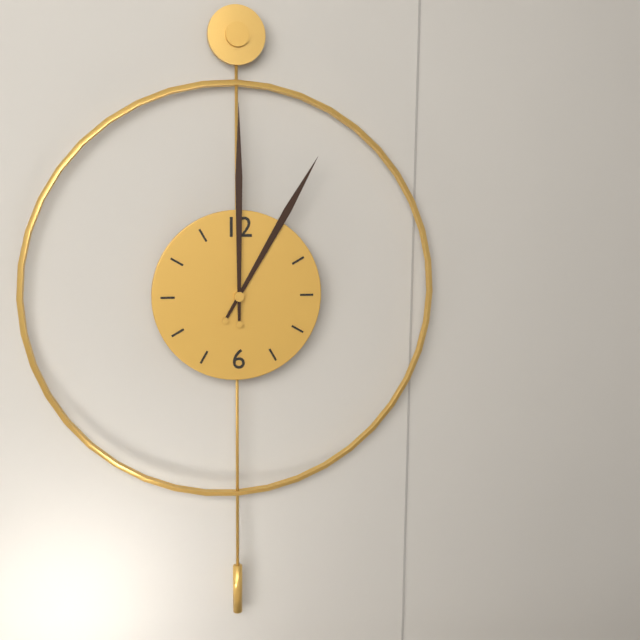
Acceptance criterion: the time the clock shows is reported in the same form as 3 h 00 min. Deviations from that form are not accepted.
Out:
1 h 00 min
